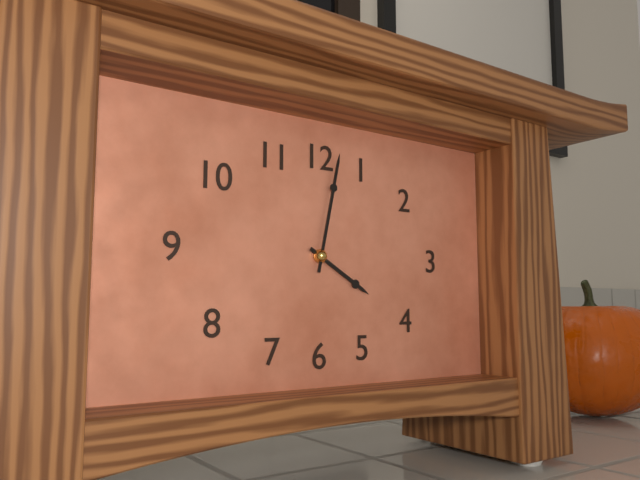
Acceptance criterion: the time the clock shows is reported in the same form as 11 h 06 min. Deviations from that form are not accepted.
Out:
4 h 02 min
